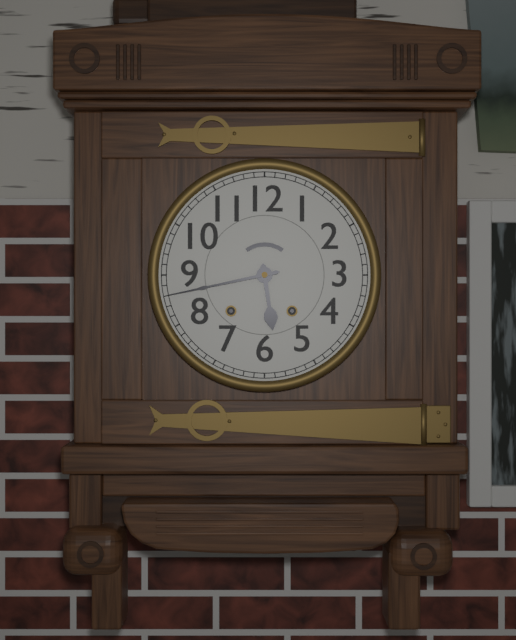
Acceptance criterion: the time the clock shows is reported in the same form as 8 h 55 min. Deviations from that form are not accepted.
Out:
5 h 43 min
